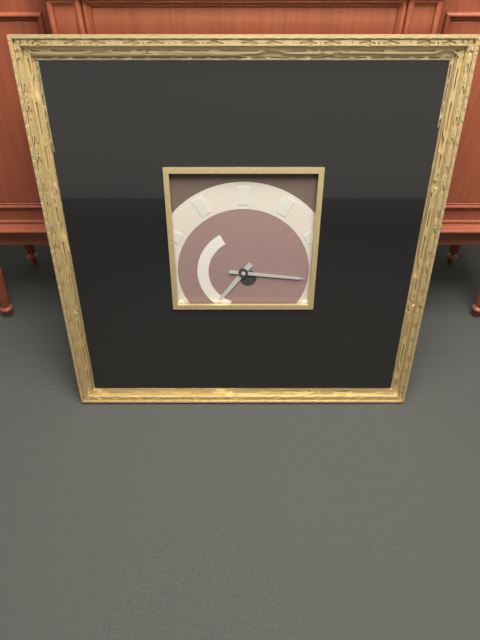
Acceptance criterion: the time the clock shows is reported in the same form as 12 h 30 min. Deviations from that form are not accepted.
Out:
7 h 16 min
